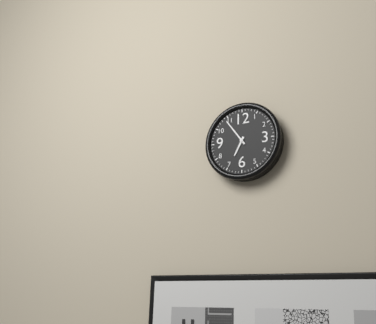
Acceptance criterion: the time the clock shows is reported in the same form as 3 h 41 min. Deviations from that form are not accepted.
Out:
6 h 54 min
